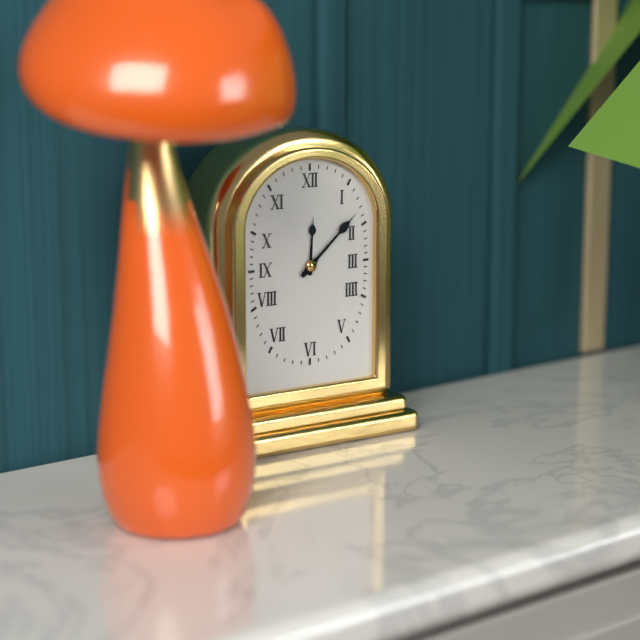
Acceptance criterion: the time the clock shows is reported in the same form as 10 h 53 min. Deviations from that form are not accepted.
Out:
12 h 08 min
